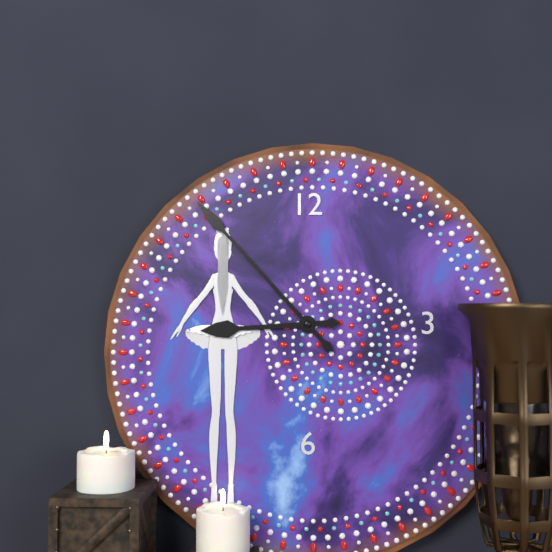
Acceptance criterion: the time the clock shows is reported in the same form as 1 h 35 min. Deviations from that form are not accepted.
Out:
8 h 53 min
